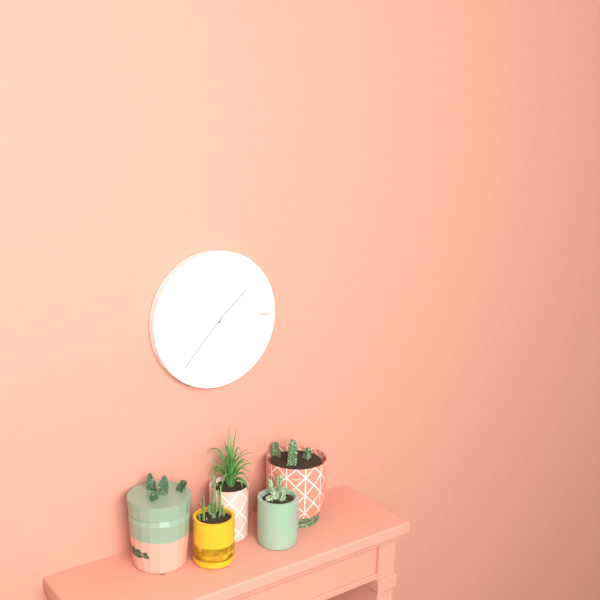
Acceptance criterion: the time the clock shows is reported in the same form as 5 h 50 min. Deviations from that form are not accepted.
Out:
1 h 37 min
